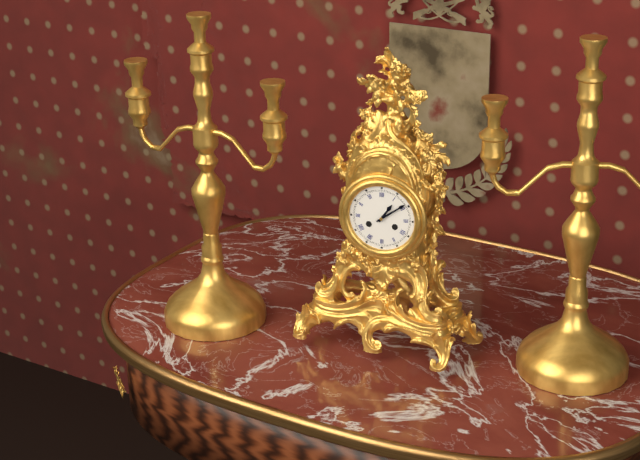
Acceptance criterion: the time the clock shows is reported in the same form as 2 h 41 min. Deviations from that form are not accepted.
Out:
1 h 09 min
